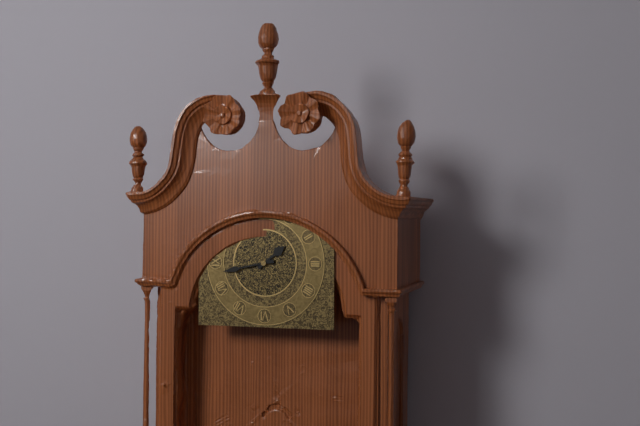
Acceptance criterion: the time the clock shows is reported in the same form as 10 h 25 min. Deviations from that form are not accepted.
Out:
1 h 43 min
